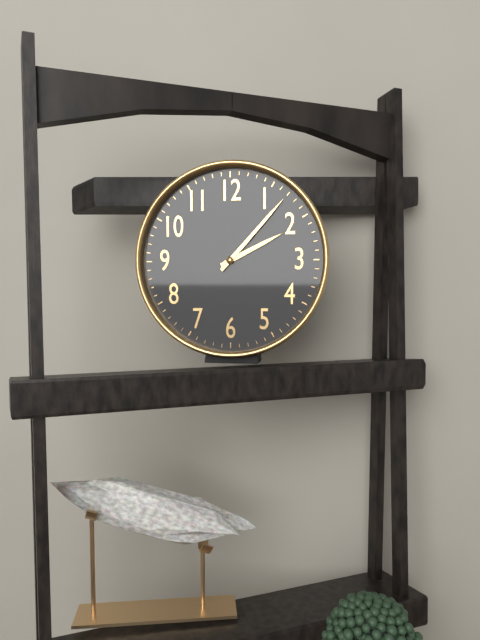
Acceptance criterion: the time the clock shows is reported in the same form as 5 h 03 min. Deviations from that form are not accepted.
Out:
2 h 07 min
